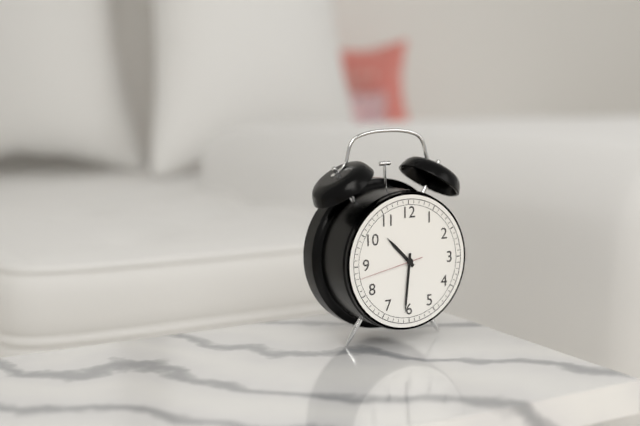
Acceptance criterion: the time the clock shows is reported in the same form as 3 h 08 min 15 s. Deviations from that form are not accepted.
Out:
10 h 31 min 43 s
